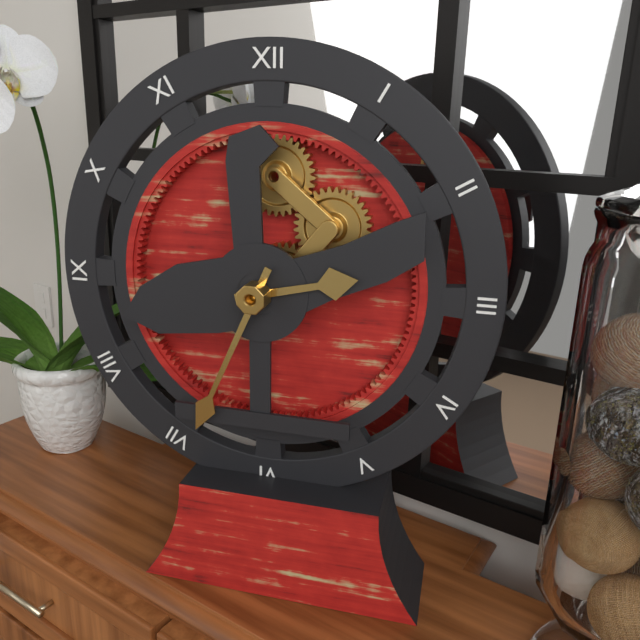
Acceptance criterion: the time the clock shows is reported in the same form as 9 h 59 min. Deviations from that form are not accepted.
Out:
2 h 34 min
